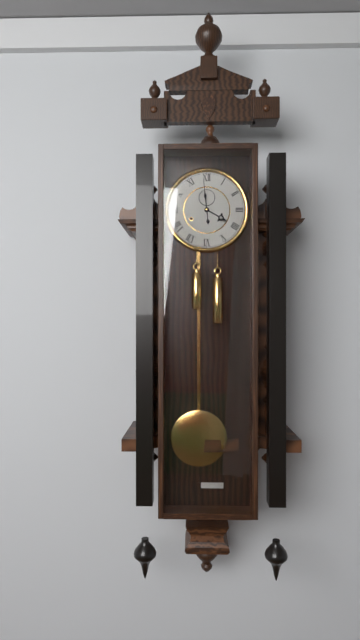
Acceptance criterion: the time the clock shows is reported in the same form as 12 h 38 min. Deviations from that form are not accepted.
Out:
3 h 59 min
